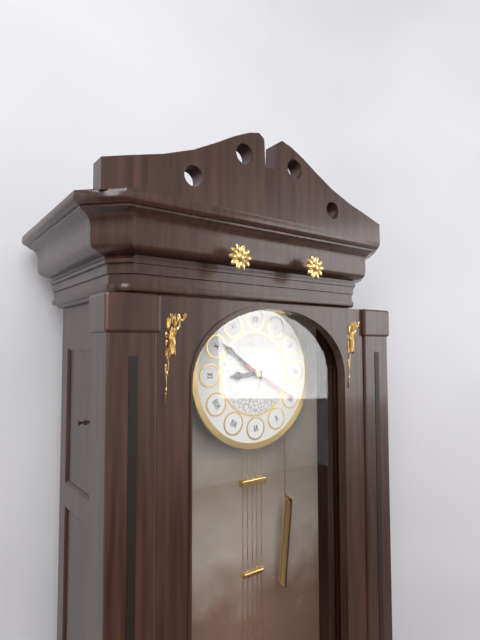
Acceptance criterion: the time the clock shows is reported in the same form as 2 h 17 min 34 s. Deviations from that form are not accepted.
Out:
8 h 51 min 20 s
